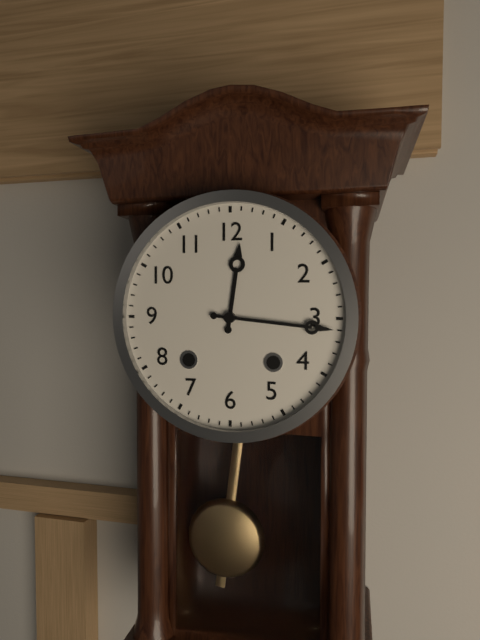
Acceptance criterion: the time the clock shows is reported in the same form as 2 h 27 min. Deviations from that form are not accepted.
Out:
12 h 16 min
